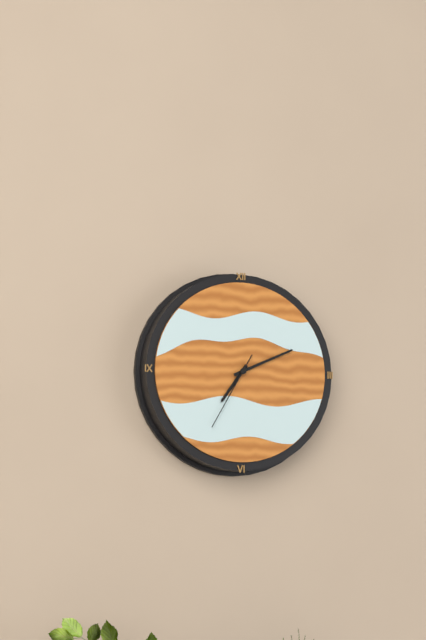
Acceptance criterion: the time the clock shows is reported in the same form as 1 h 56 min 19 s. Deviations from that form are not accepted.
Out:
7 h 11 min 35 s
